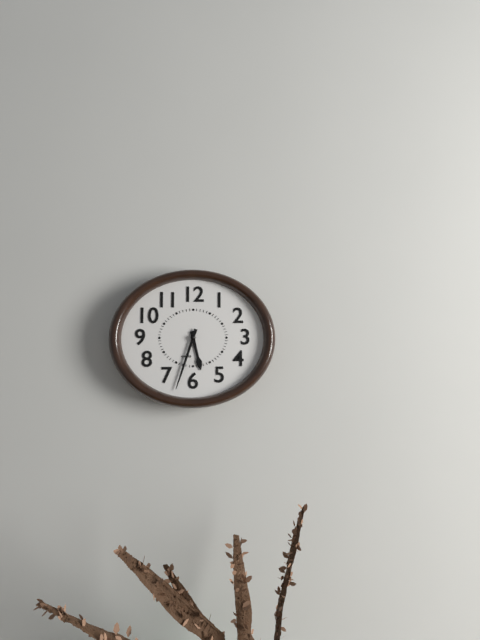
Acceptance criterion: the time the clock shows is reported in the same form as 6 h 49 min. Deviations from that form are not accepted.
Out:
5 h 33 min
